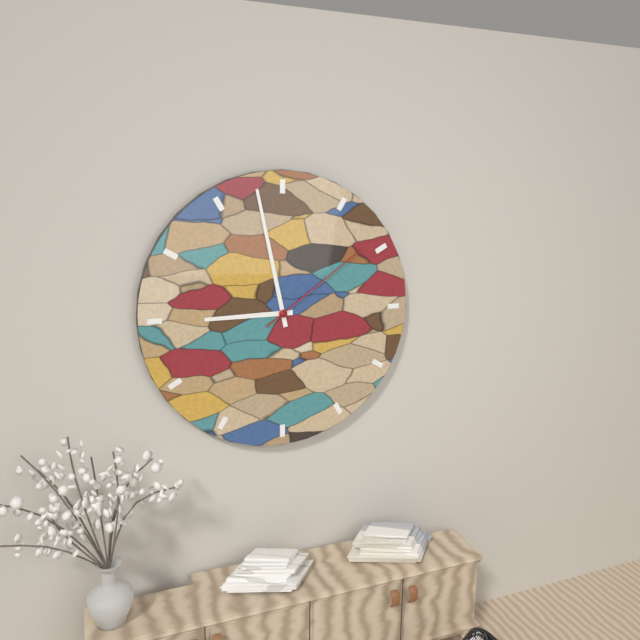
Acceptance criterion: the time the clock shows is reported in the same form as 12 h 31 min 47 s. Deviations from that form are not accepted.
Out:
8 h 58 min 09 s
